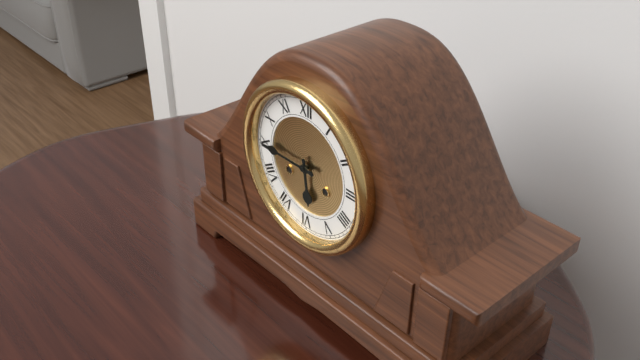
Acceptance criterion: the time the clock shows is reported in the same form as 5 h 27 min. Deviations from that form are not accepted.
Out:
5 h 45 min
